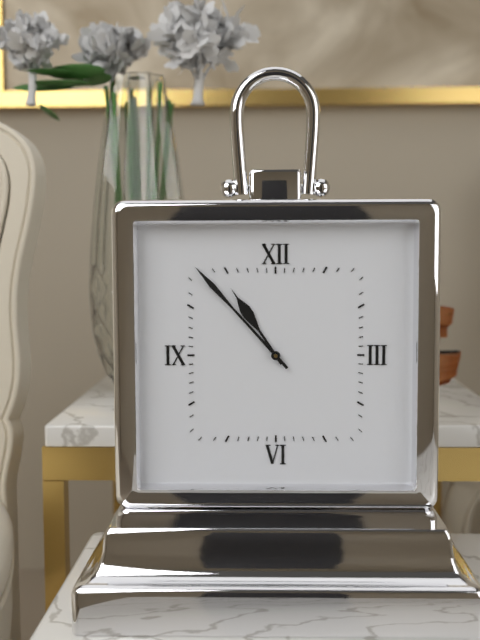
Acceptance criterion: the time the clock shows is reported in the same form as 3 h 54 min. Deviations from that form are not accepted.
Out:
10 h 53 min
